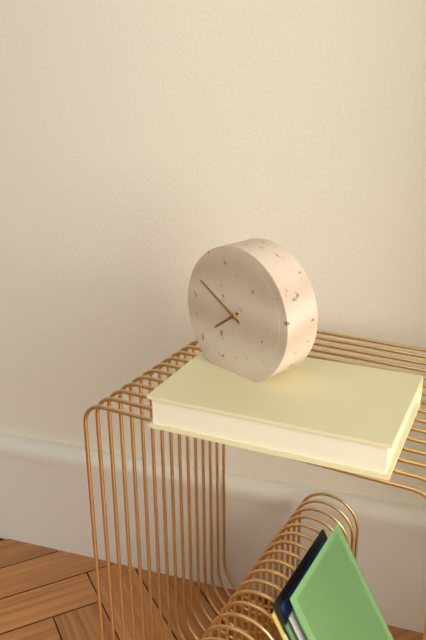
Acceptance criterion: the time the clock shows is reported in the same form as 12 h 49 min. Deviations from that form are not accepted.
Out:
7 h 50 min
